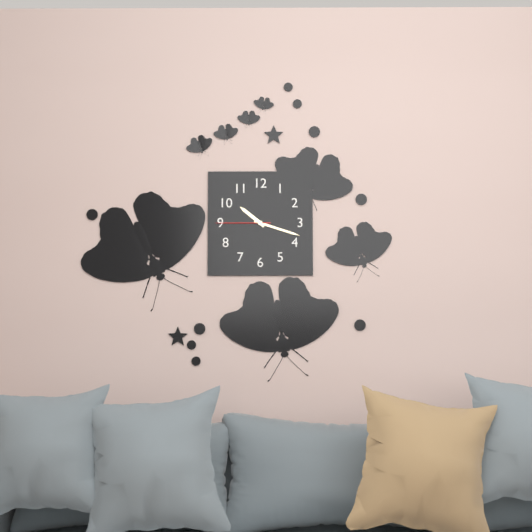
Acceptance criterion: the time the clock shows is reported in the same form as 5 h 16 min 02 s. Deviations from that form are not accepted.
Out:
10 h 18 min 45 s
